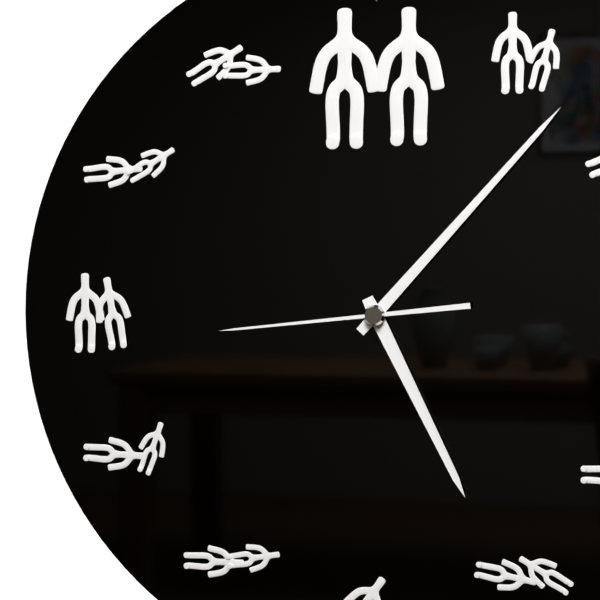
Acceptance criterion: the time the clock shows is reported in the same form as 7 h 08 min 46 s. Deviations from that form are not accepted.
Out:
5 h 07 min 44 s
